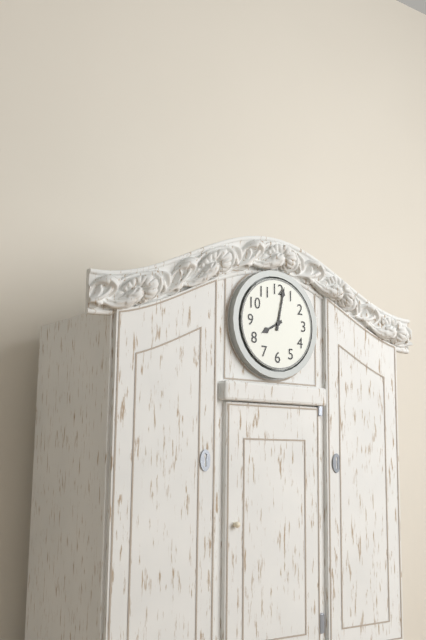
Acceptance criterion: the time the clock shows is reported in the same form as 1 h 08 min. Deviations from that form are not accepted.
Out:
8 h 02 min
